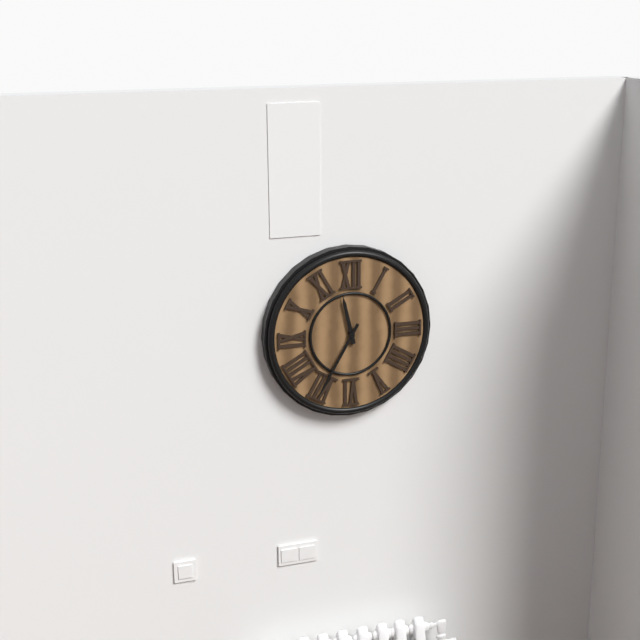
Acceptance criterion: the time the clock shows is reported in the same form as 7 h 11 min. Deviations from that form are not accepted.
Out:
11 h 35 min
